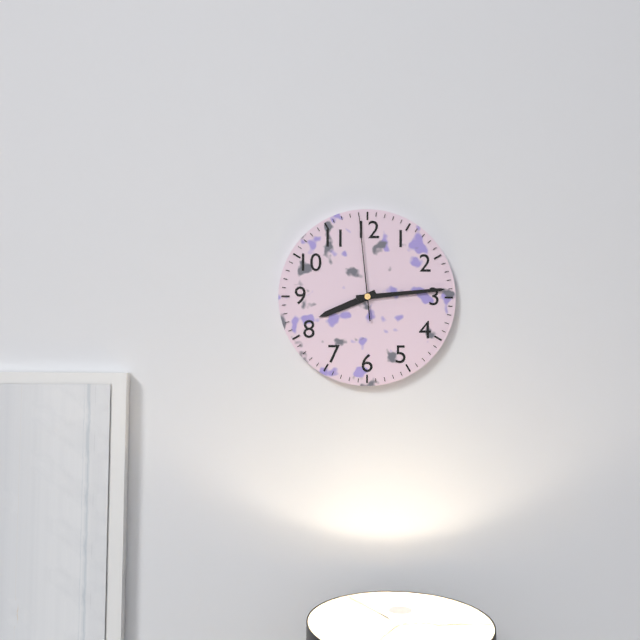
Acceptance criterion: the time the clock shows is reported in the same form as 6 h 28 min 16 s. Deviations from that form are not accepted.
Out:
8 h 14 min 59 s
